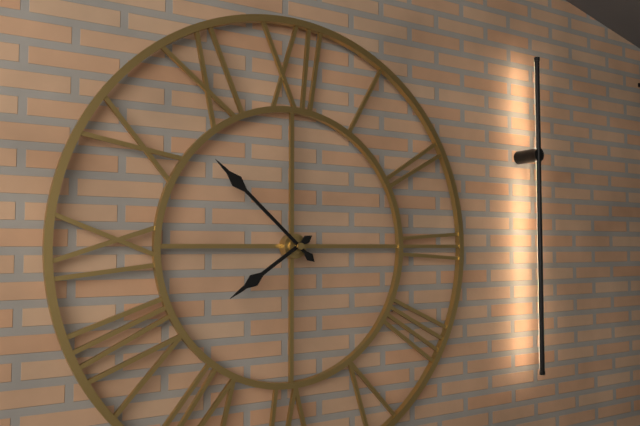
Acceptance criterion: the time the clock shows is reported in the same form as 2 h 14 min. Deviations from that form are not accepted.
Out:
7 h 52 min
